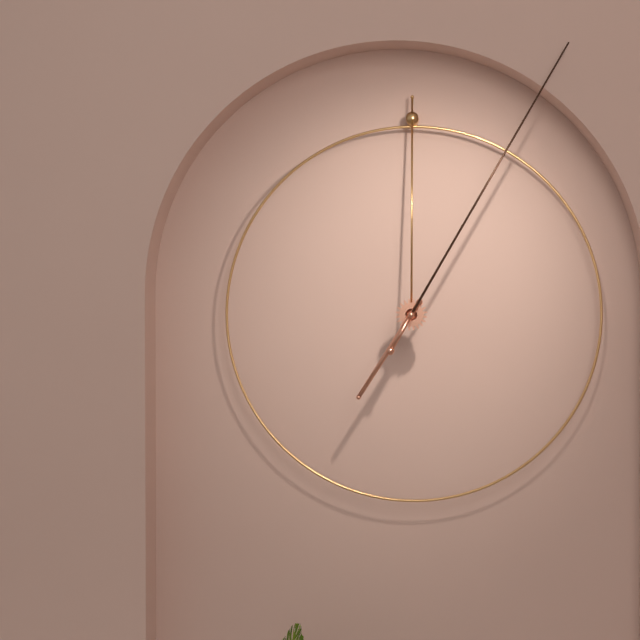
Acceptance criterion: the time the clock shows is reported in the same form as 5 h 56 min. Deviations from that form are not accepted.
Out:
7 h 05 min
